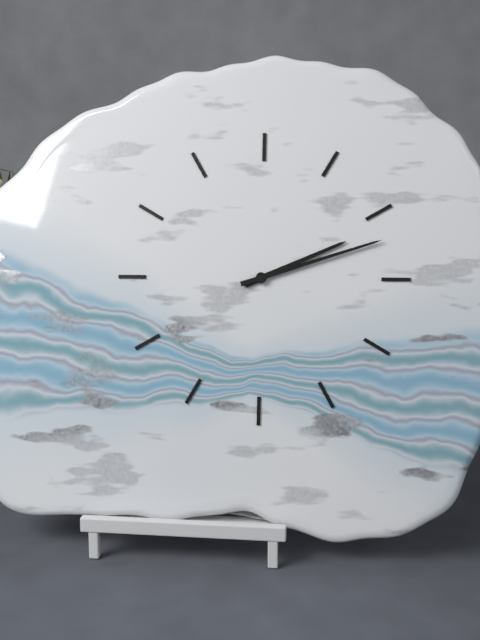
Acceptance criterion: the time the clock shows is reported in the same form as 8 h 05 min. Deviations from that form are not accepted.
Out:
2 h 12 min
